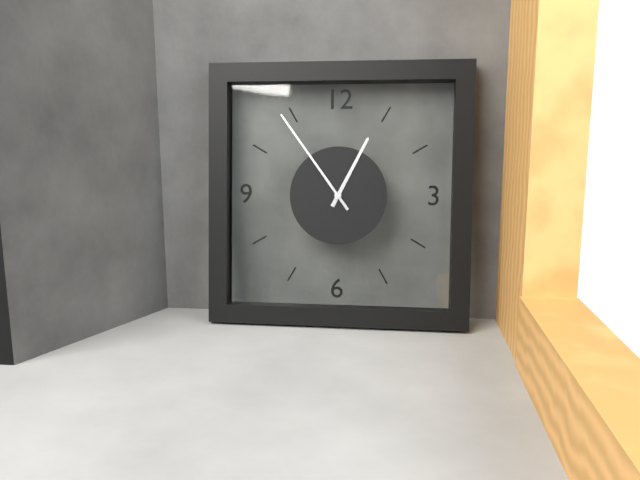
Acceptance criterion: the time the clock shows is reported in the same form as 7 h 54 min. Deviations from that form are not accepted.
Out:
12 h 54 min
